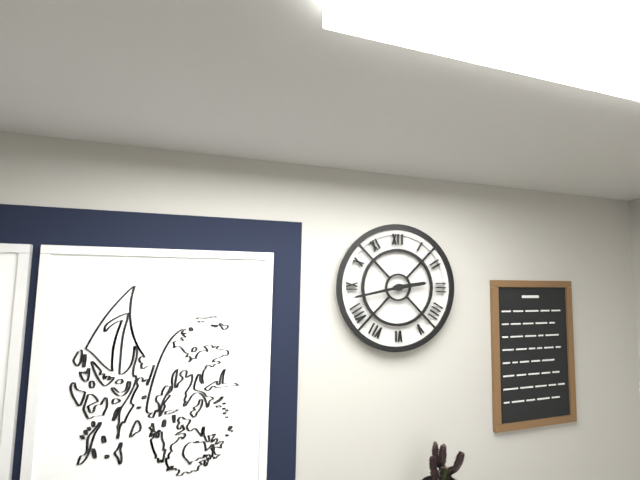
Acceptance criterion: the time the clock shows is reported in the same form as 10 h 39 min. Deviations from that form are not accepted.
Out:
2 h 43 min
